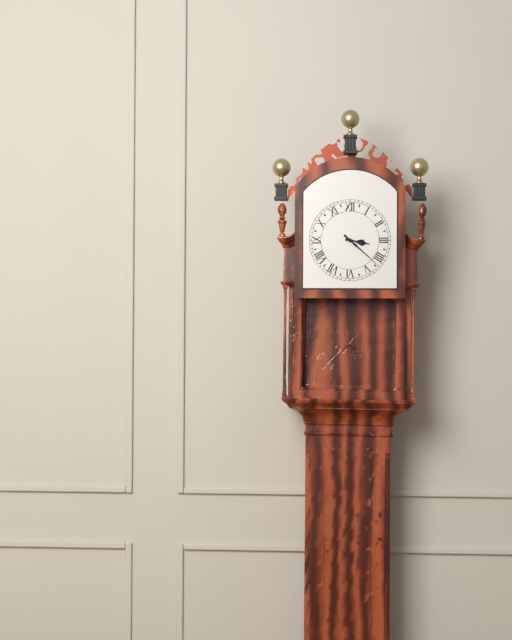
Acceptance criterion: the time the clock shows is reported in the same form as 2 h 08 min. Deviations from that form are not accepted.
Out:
3 h 22 min
